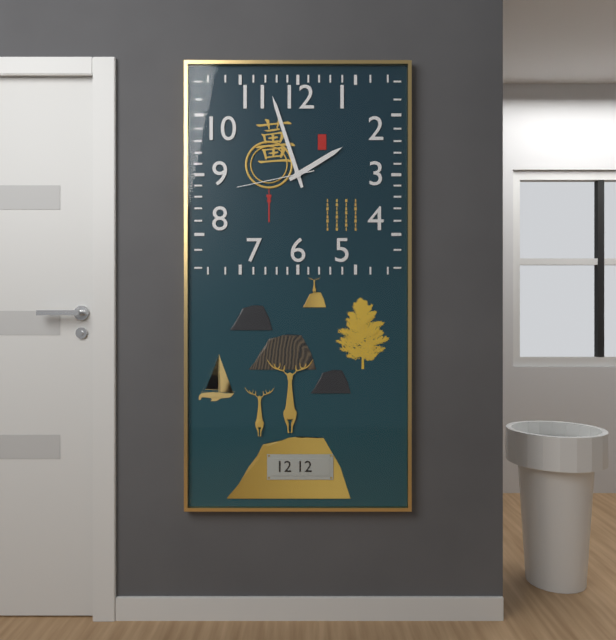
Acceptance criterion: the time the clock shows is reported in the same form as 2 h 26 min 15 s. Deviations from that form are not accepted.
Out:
1 h 57 min 43 s
